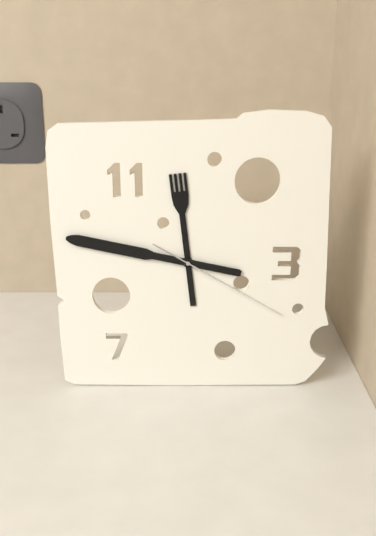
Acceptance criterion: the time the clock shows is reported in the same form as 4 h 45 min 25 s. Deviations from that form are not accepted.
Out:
11 h 47 min 20 s
